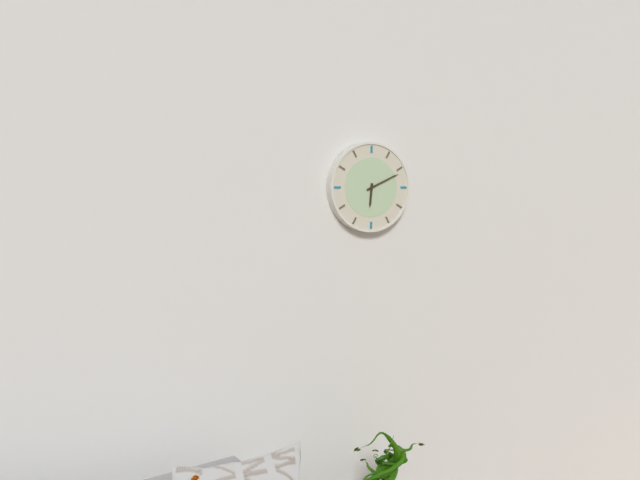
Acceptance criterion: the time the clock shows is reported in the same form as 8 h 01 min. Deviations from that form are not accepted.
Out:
6 h 11 min
